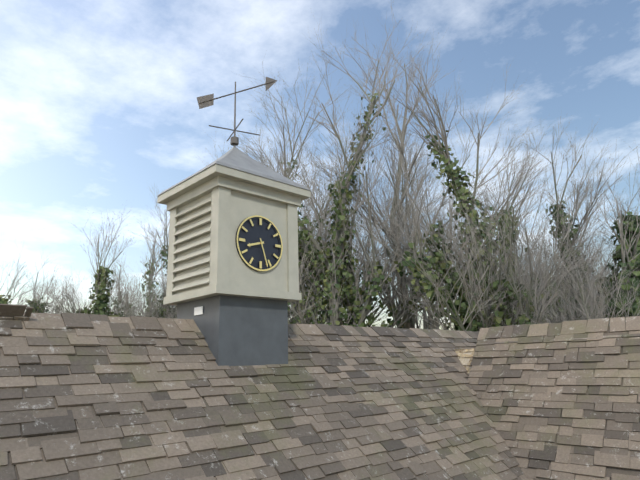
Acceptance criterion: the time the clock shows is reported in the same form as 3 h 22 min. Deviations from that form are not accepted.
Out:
8 h 27 min
